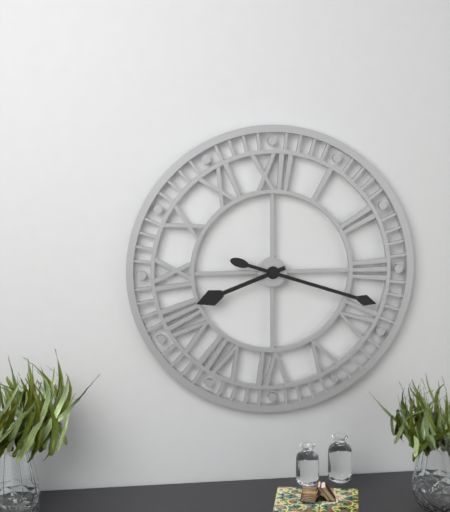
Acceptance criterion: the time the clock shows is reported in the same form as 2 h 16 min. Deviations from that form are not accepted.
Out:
8 h 18 min
